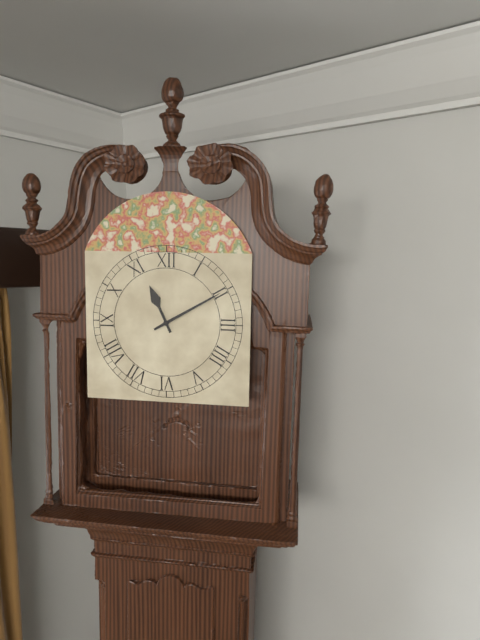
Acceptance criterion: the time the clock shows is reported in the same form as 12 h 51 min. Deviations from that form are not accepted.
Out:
11 h 10 min
